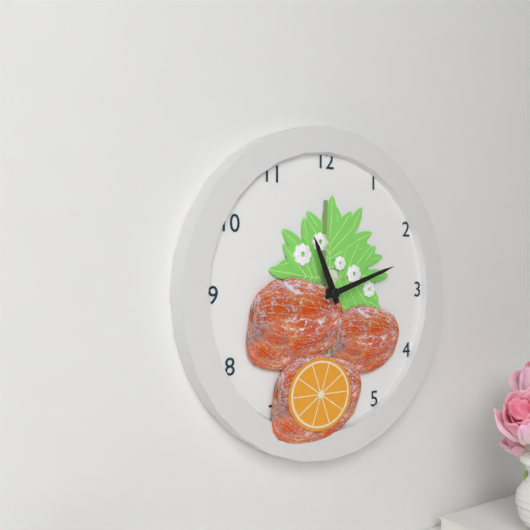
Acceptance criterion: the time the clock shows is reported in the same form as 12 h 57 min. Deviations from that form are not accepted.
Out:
11 h 12 min
